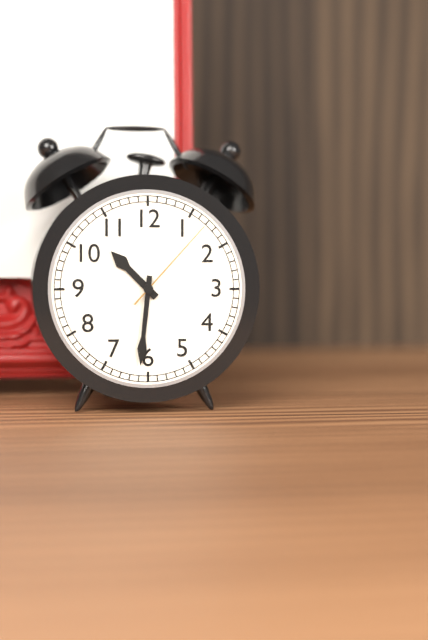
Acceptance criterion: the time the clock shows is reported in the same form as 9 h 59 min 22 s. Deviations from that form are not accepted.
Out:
10 h 31 min 07 s
